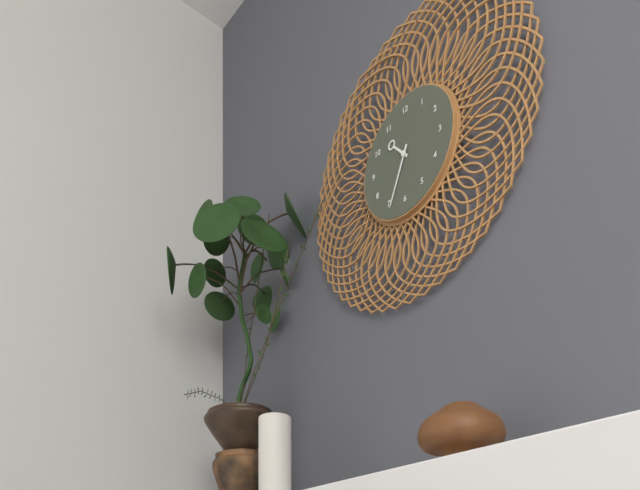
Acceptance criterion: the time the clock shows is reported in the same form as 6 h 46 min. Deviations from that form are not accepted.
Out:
10 h 34 min
